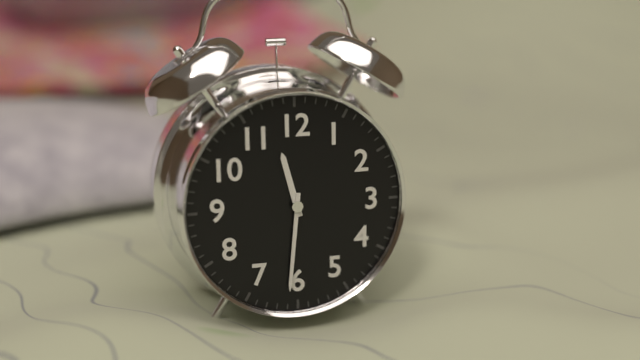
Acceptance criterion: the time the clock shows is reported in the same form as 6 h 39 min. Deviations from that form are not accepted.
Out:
11 h 31 min
